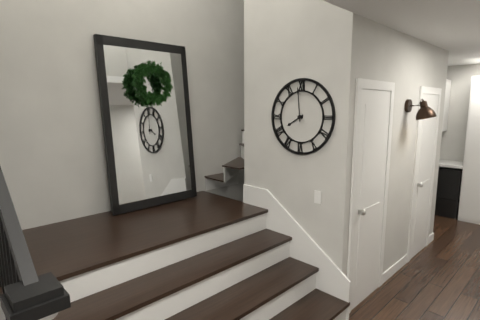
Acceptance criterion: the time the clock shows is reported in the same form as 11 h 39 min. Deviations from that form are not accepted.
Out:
7 h 59 min
